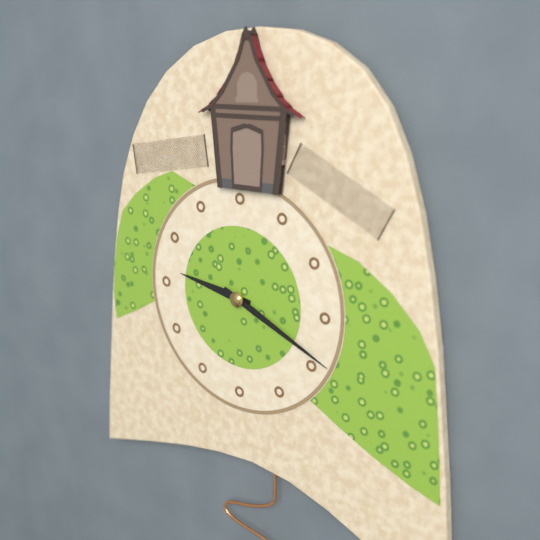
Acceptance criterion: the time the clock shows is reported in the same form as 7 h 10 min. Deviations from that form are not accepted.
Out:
9 h 19 min
